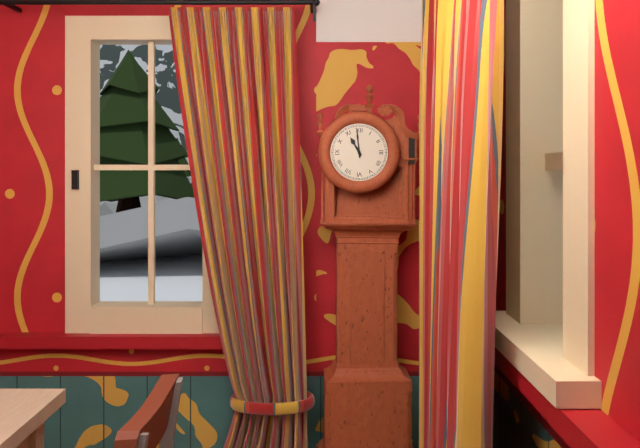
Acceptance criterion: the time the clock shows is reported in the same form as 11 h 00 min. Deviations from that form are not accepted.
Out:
10 h 59 min
